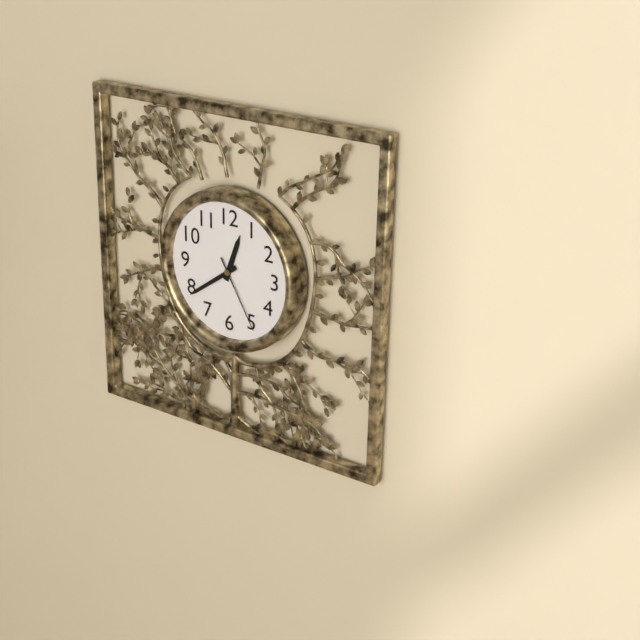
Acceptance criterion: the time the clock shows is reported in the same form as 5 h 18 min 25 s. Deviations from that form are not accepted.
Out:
12 h 39 min 25 s
